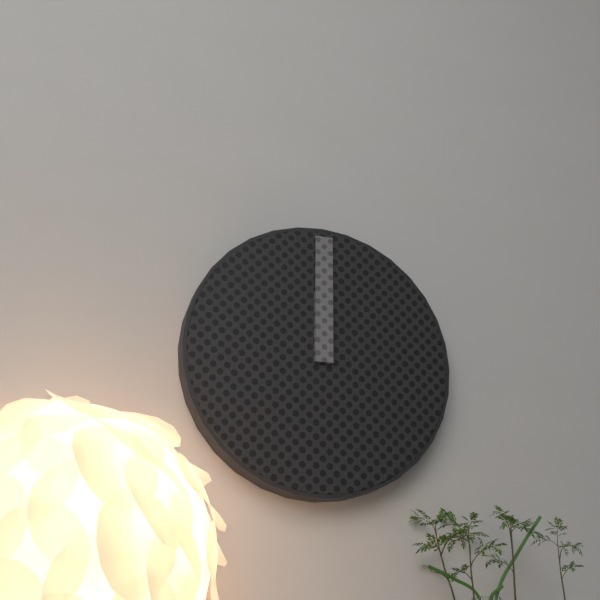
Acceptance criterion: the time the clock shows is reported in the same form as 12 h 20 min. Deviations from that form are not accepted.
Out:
12 h 00 min
